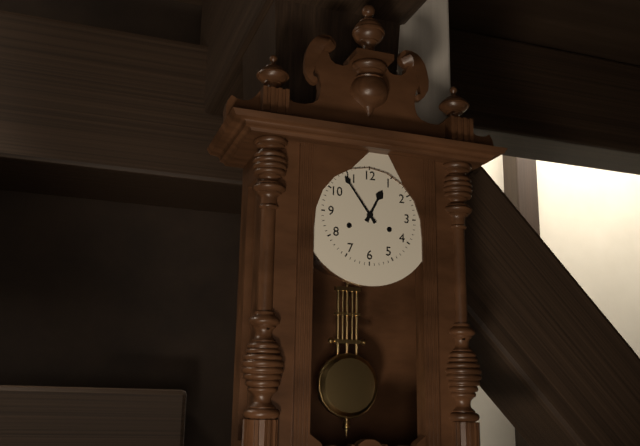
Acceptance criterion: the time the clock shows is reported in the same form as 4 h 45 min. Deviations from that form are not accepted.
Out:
12 h 54 min
